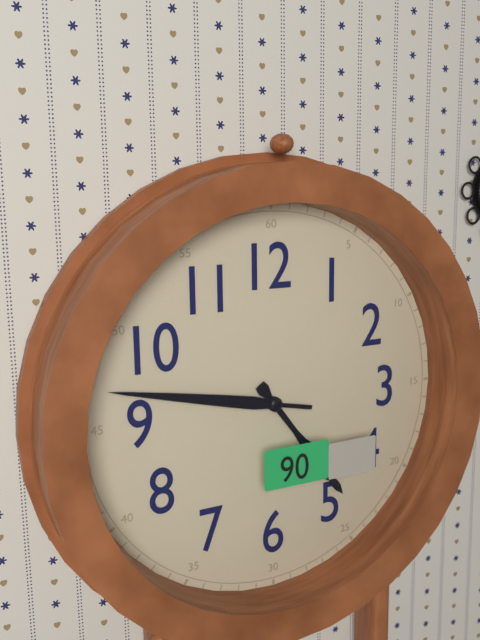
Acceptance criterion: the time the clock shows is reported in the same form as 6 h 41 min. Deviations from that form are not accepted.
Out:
4 h 47 min
